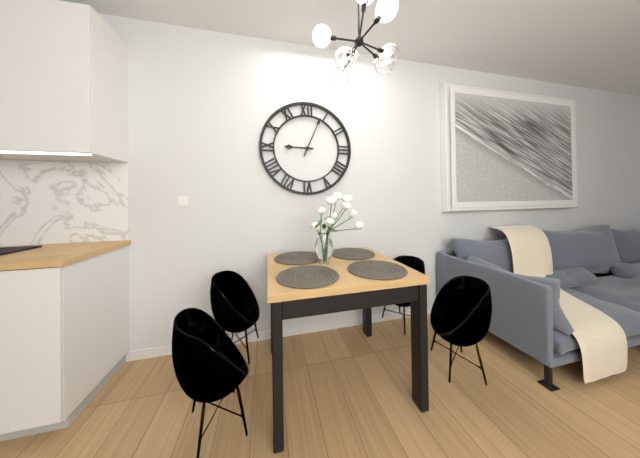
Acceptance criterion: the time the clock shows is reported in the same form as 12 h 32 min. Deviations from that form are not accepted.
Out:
9 h 04 min
